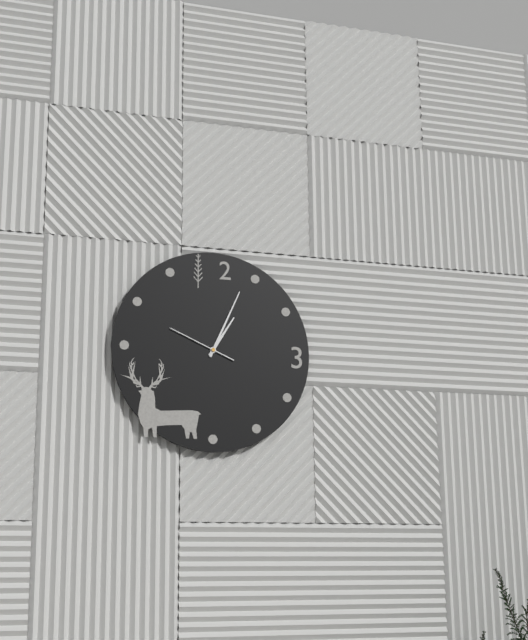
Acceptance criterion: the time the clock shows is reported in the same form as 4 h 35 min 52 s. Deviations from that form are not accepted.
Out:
1 h 04 min 49 s
